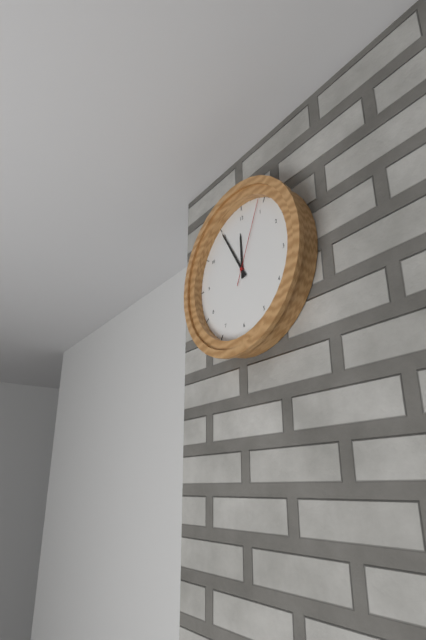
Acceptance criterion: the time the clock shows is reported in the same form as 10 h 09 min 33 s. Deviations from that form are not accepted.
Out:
11 h 55 min 04 s
